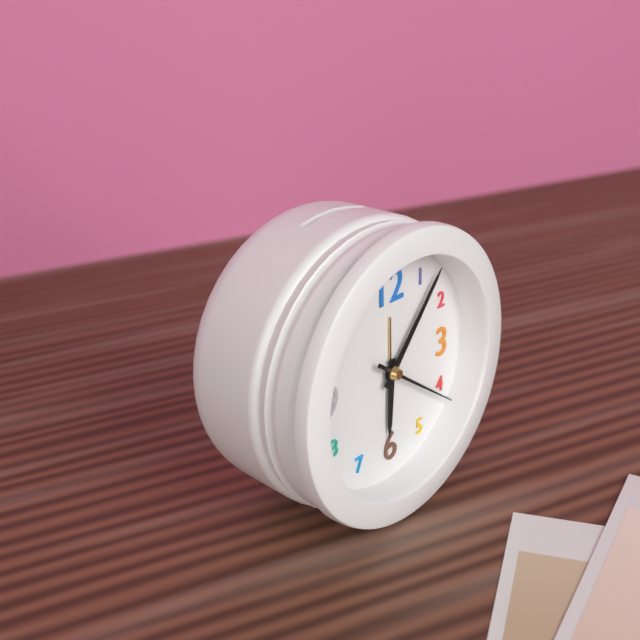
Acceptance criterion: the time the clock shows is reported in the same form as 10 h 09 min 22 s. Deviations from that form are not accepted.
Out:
6 h 07 min 21 s
